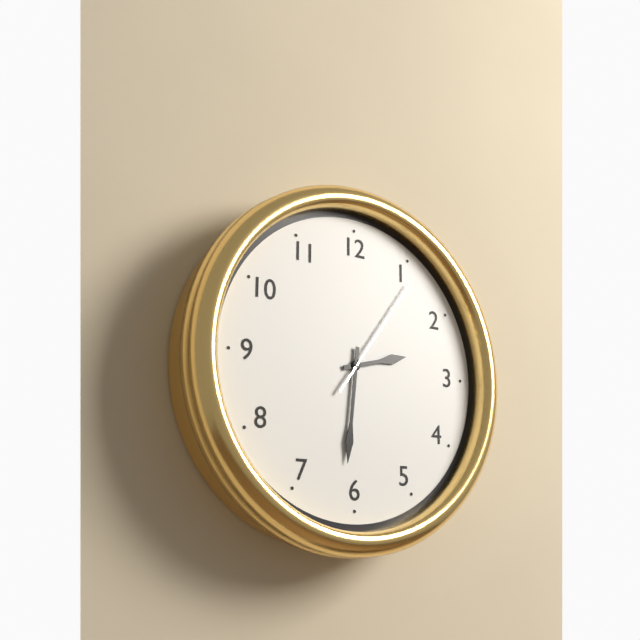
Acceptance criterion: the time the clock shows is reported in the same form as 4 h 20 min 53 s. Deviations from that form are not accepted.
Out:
2 h 31 min 06 s
